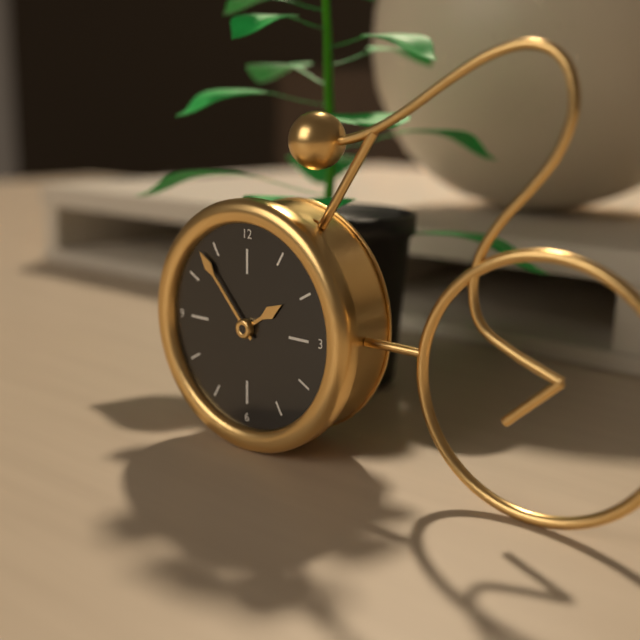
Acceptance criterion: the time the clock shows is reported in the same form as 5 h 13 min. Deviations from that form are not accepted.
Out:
1 h 53 min
